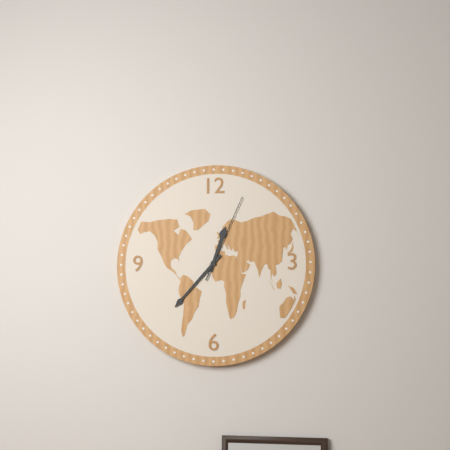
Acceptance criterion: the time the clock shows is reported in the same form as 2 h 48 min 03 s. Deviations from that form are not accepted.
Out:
12 h 37 min 04 s
